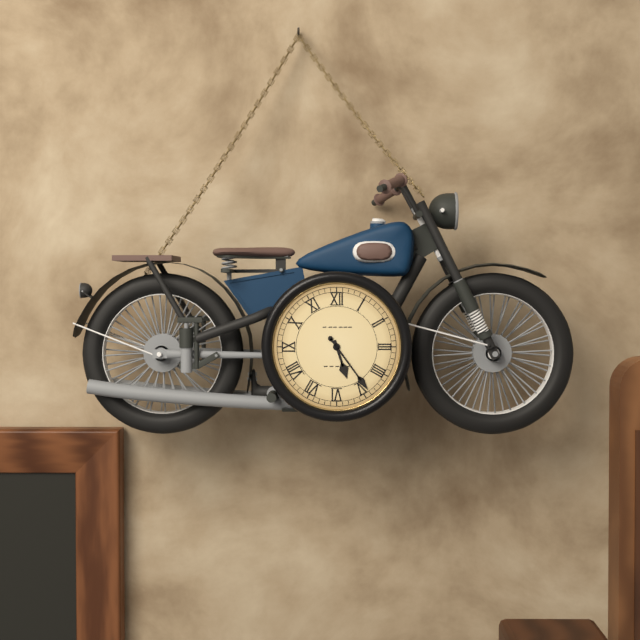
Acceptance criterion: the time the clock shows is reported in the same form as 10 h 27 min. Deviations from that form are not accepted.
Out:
5 h 24 min
